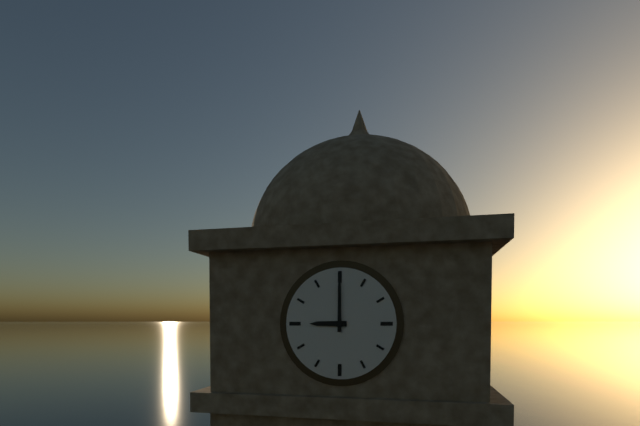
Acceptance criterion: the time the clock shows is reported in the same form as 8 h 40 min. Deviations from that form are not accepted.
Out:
9 h 00 min
